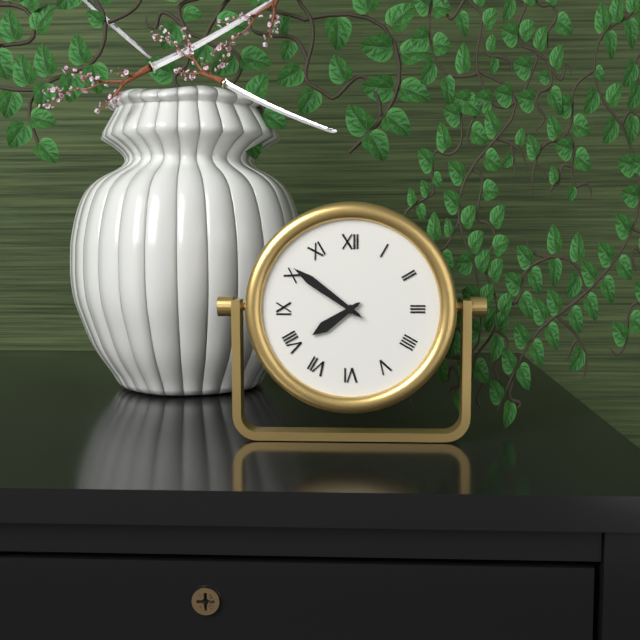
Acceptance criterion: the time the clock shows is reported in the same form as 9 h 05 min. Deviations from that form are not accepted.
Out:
7 h 51 min
